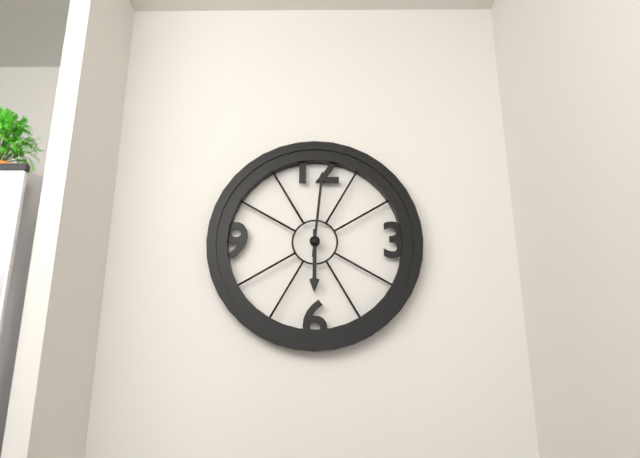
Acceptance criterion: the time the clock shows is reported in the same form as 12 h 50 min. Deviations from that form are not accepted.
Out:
6 h 01 min
